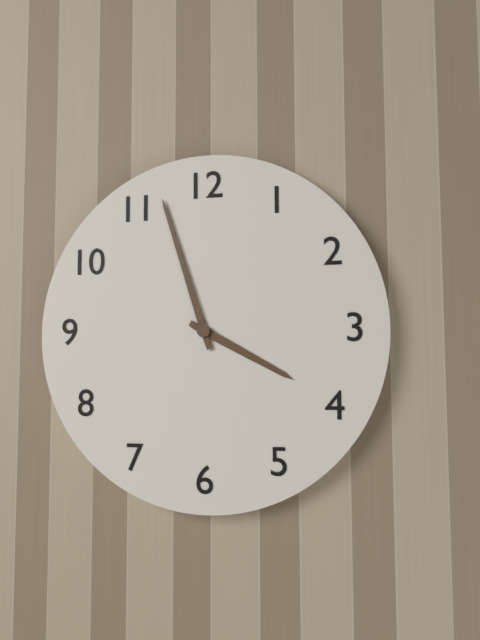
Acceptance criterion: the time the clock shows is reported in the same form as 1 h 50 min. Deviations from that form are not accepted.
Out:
3 h 57 min
